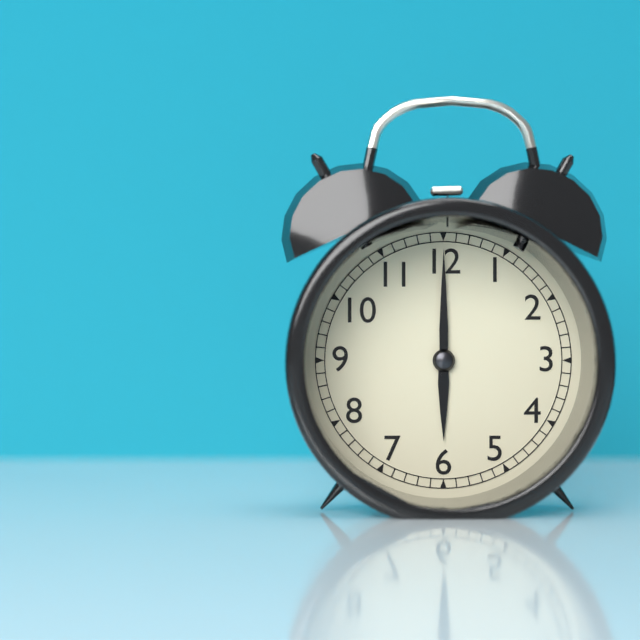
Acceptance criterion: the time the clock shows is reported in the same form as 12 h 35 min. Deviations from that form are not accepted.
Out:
6 h 00 min
